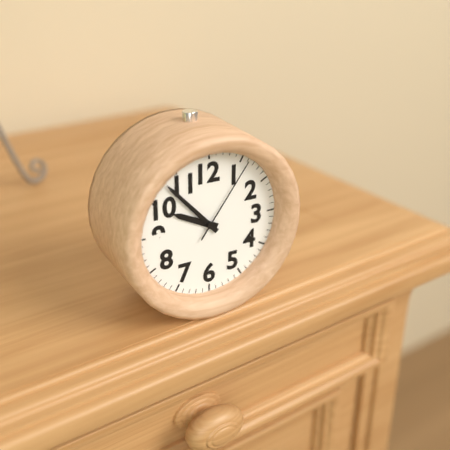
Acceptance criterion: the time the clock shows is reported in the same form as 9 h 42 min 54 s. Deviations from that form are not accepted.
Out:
9 h 53 min 06 s
